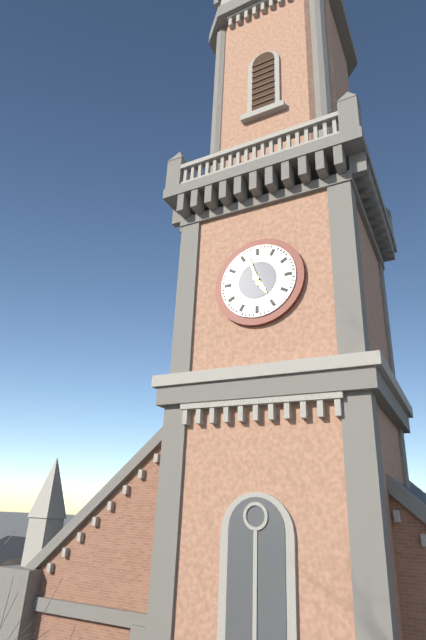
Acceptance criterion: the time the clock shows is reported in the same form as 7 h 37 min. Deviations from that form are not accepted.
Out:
4 h 57 min
